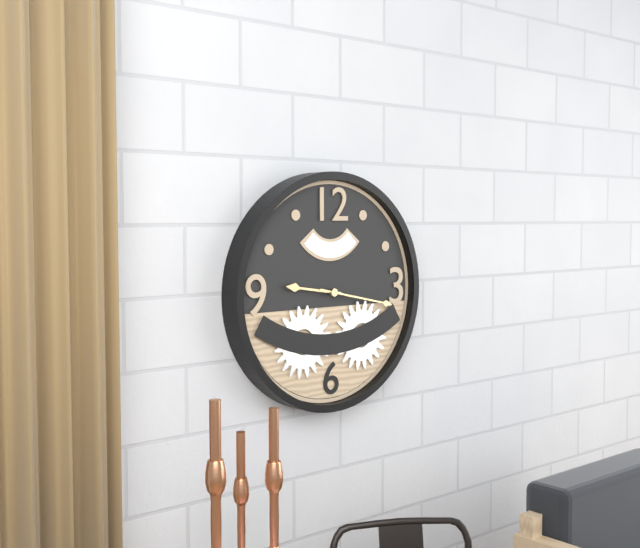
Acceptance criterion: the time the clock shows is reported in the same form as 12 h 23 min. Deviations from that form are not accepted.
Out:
9 h 17 min
